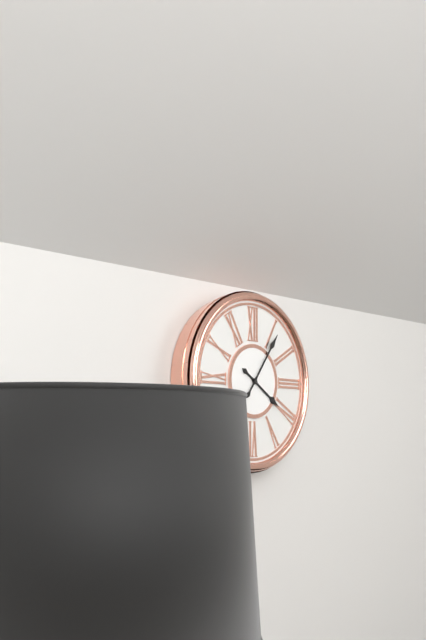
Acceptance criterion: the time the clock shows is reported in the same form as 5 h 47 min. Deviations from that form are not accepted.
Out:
4 h 06 min
